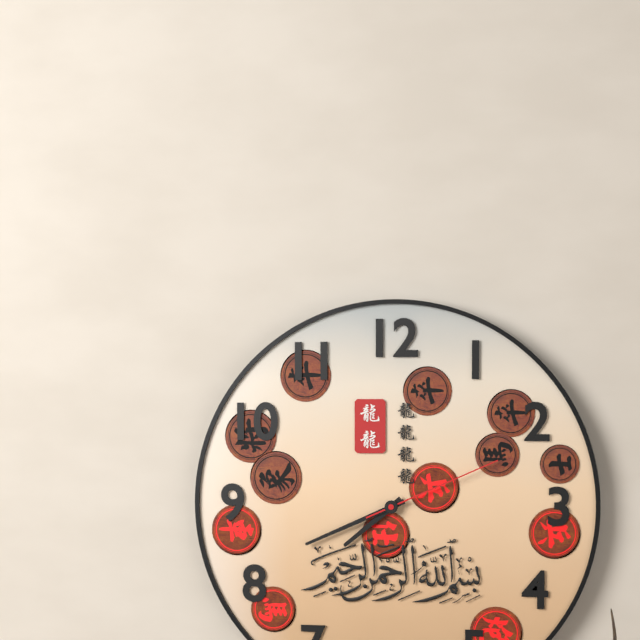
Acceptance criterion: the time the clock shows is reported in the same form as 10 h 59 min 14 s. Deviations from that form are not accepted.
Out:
7 h 41 min 11 s
